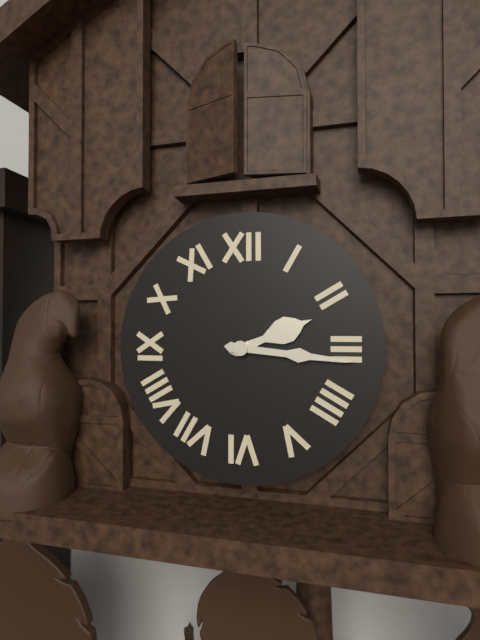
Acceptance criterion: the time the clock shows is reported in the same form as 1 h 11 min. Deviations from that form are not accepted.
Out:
2 h 16 min
